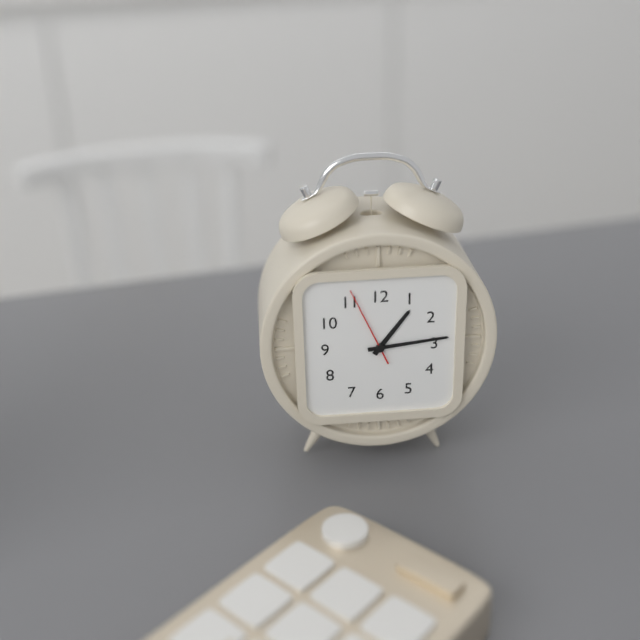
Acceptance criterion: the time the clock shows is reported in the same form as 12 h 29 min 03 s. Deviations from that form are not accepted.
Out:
1 h 14 min 56 s
